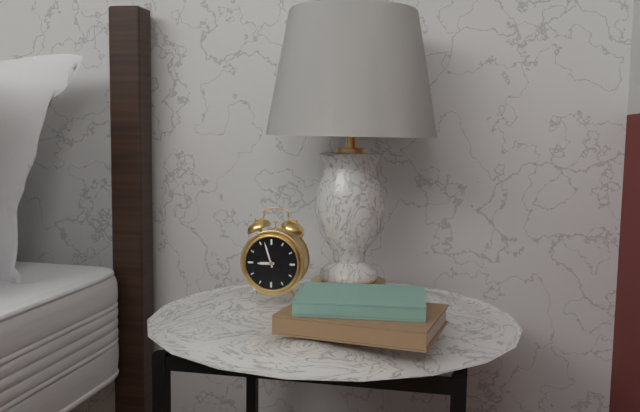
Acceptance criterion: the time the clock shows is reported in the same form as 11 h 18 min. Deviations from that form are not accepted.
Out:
8 h 57 min
